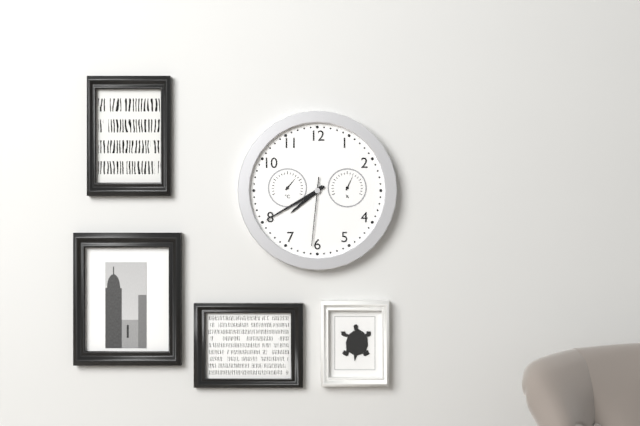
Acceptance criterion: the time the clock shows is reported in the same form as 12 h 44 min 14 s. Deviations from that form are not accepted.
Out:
7 h 40 min 31 s
